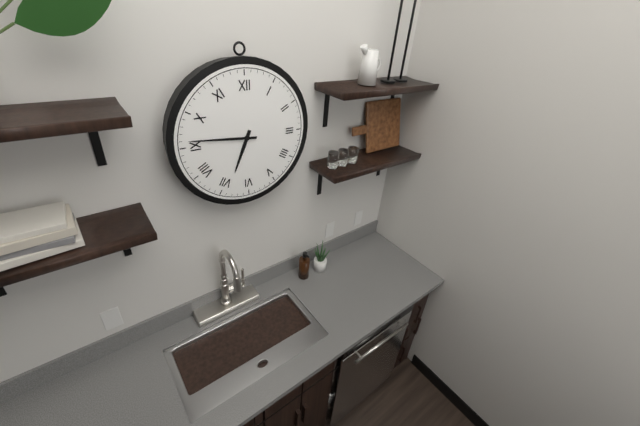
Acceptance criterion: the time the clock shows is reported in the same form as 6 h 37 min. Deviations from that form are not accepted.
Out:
6 h 46 min
